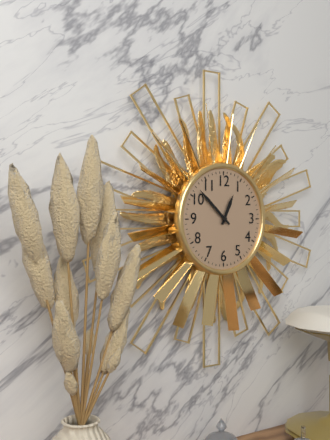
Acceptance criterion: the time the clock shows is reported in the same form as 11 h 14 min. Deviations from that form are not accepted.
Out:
12 h 52 min
